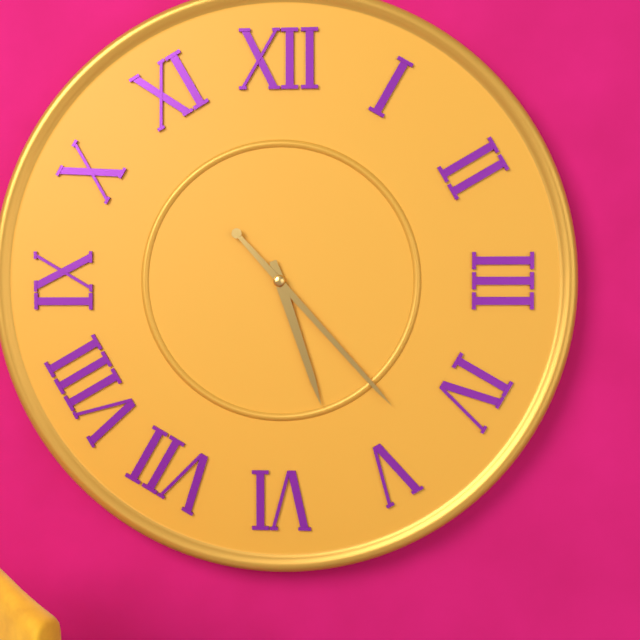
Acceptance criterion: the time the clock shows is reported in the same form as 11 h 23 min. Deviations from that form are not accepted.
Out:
5 h 23 min
